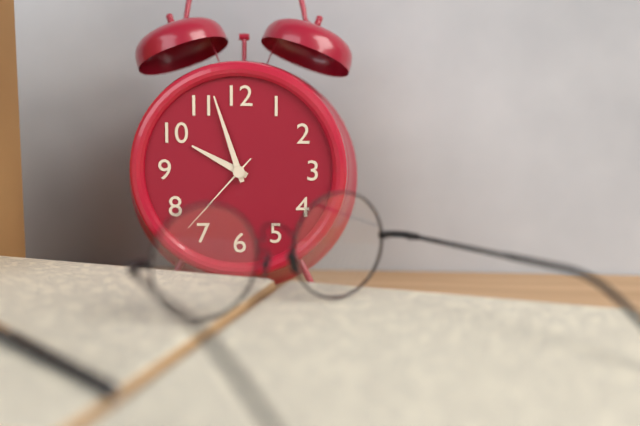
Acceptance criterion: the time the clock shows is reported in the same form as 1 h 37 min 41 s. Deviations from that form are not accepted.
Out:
9 h 57 min 37 s
